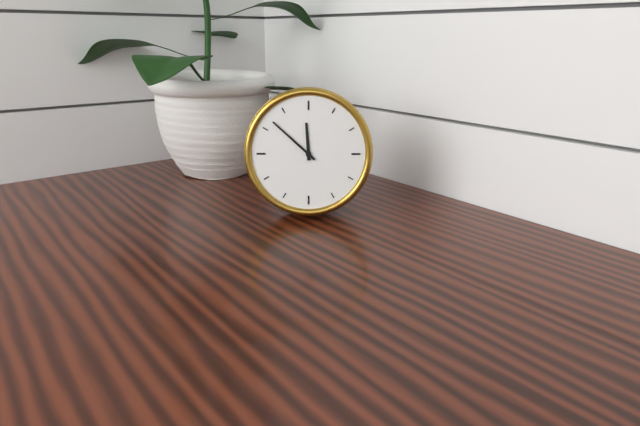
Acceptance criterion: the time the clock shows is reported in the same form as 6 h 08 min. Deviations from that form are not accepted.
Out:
11 h 52 min
